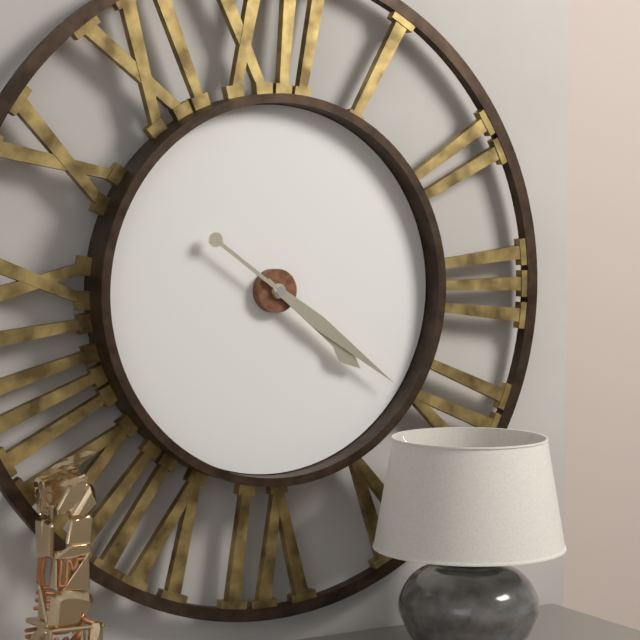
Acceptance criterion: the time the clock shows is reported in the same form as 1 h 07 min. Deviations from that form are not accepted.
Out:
4 h 21 min
